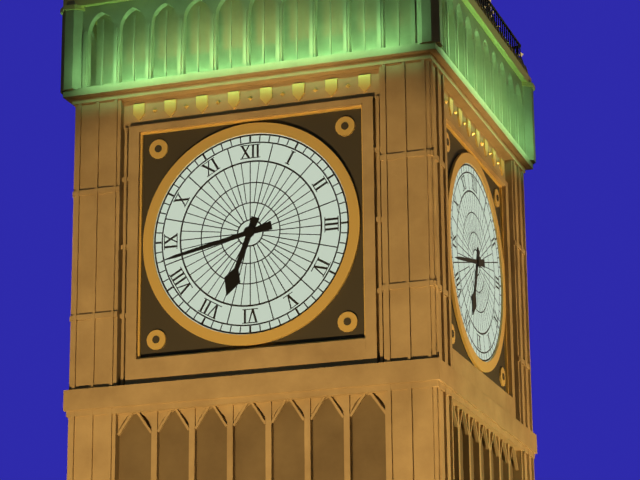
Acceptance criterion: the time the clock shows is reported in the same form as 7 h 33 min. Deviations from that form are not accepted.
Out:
6 h 43 min
